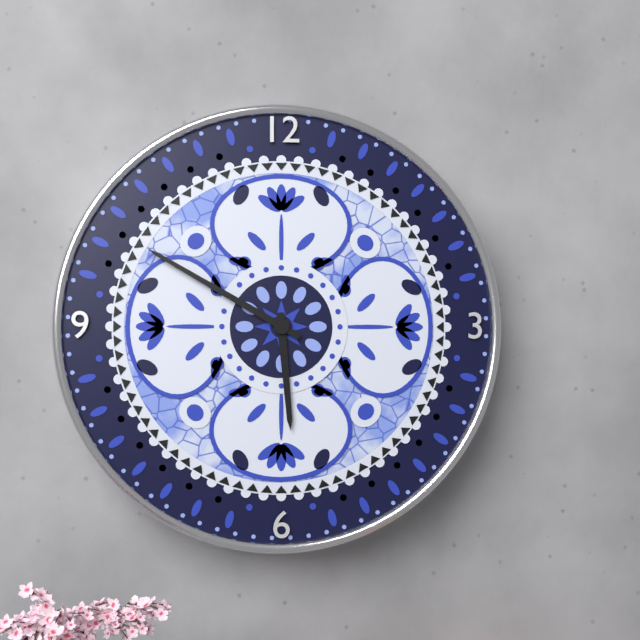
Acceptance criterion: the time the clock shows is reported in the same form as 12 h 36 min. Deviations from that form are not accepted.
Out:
5 h 50 min
